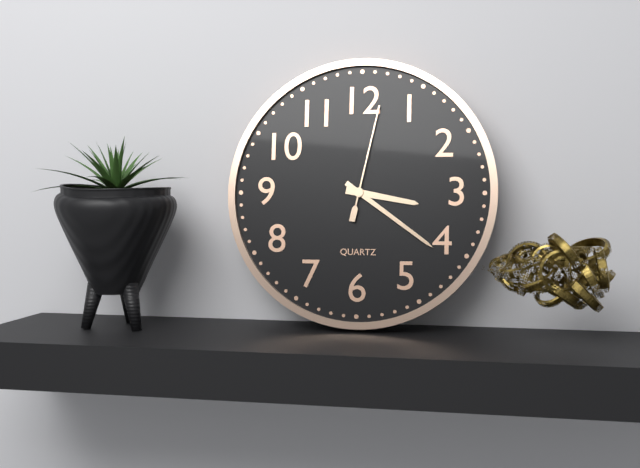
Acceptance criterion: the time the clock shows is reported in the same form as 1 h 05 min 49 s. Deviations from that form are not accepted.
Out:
3 h 21 min 02 s
